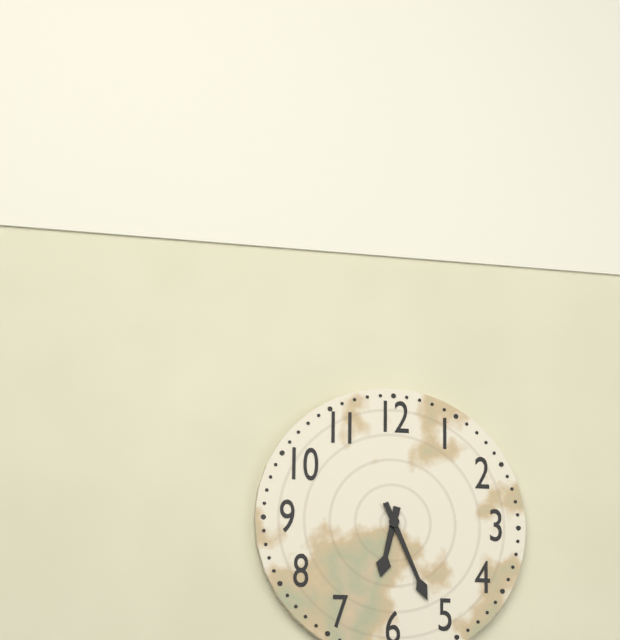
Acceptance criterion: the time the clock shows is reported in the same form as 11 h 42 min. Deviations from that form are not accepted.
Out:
6 h 26 min
